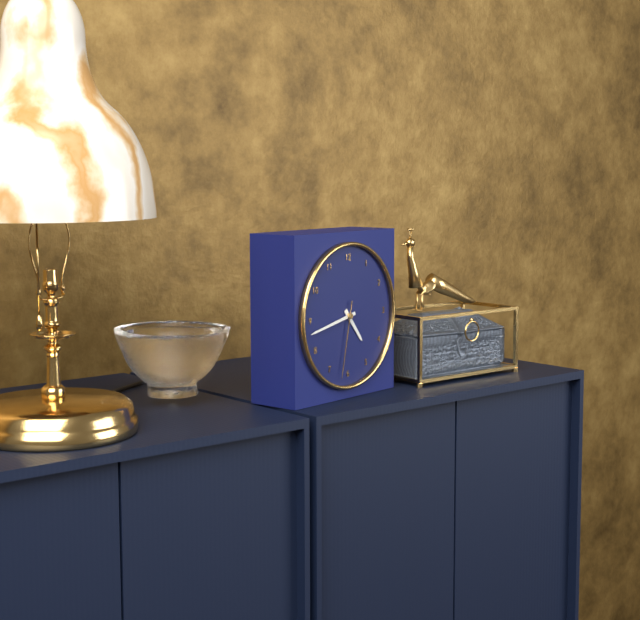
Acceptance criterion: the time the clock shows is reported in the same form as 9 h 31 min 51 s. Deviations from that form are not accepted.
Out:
4 h 43 min 32 s
